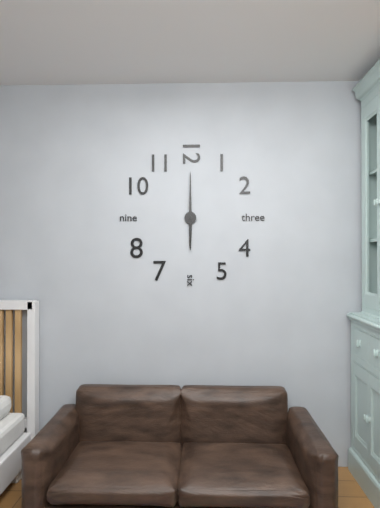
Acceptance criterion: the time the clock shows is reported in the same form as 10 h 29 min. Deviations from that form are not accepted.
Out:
6 h 00 min
